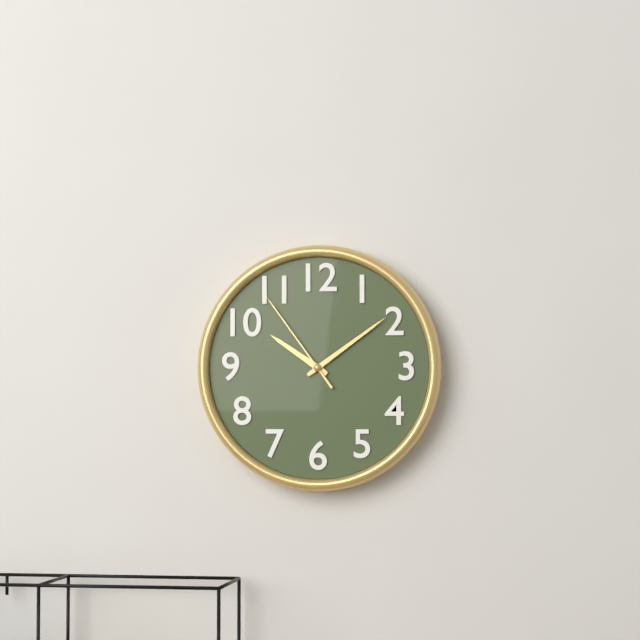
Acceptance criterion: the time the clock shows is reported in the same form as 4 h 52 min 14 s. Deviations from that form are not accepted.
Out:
10 h 09 min 54 s
